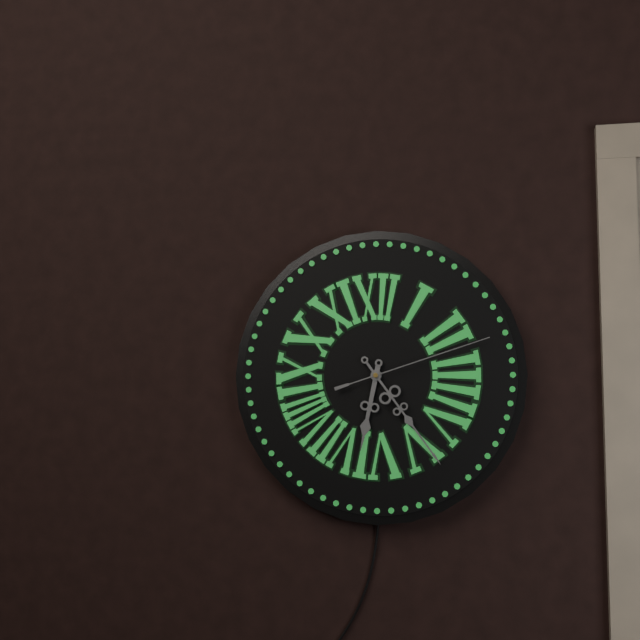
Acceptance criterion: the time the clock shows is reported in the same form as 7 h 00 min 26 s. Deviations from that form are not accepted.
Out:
6 h 24 min 12 s
